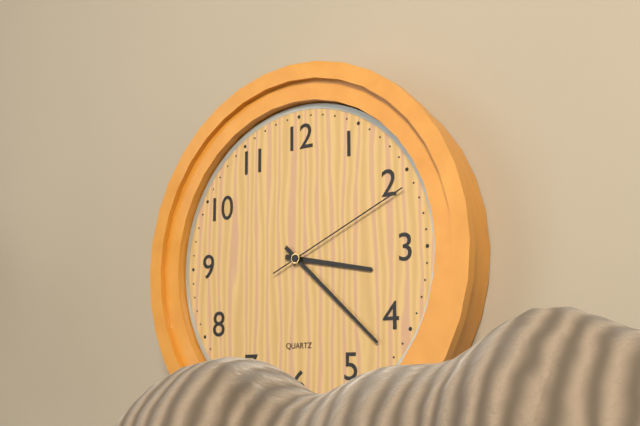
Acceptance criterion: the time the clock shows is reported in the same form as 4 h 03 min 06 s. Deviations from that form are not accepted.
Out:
3 h 22 min 11 s
